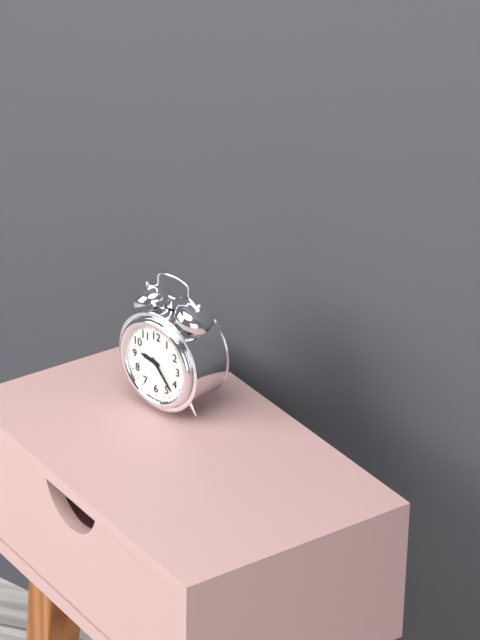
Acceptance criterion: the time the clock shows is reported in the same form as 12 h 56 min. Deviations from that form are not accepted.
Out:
9 h 23 min
